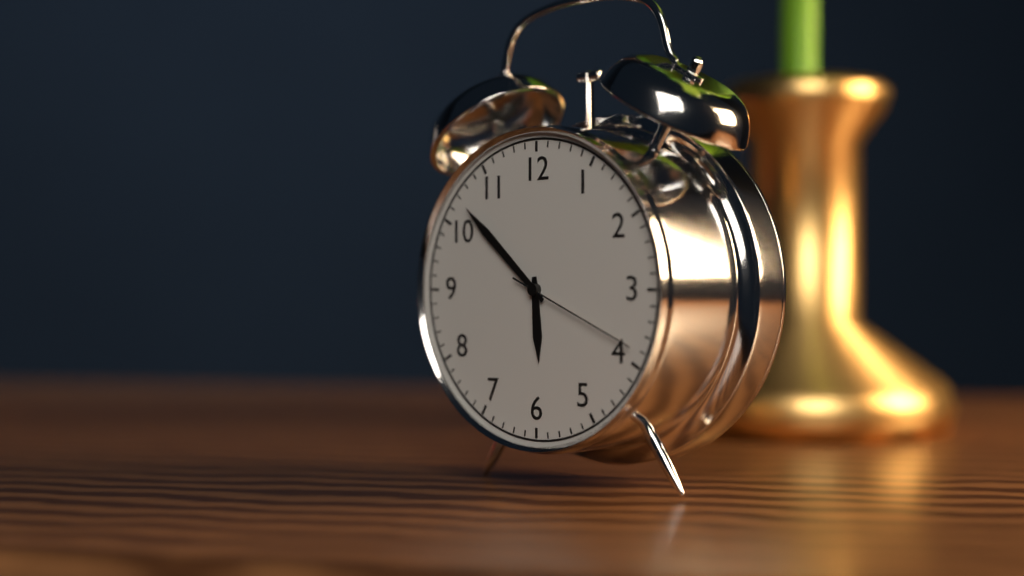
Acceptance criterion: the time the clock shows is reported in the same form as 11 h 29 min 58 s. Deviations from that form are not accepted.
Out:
5 h 52 min 19 s
